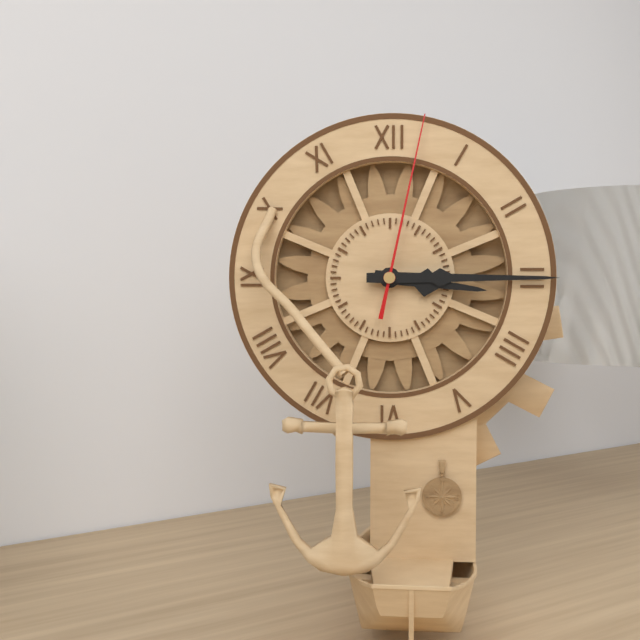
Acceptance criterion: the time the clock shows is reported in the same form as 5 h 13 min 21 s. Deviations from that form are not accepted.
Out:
3 h 15 min 02 s
